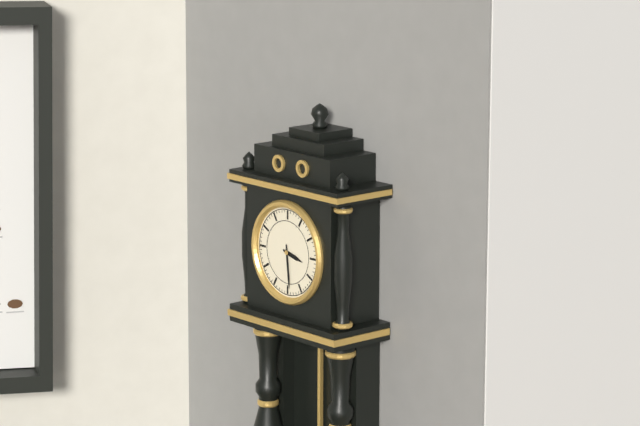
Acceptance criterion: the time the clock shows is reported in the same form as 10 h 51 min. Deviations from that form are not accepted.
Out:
3 h 29 min
